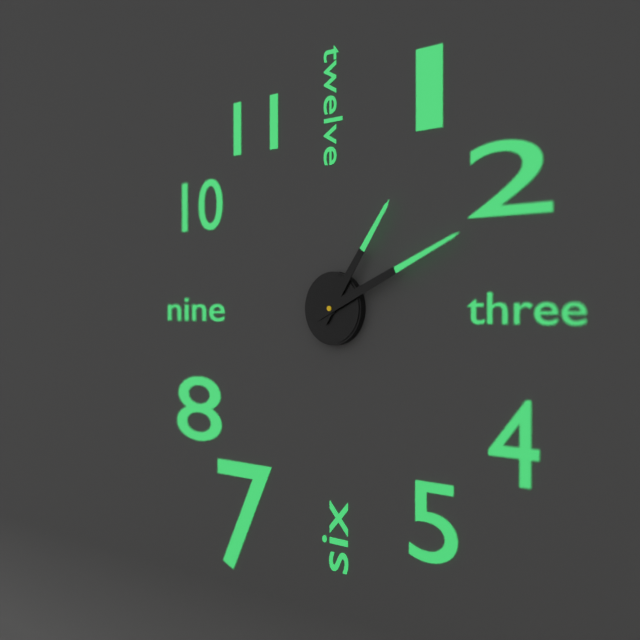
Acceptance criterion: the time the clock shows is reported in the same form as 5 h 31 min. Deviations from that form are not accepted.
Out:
1 h 11 min
